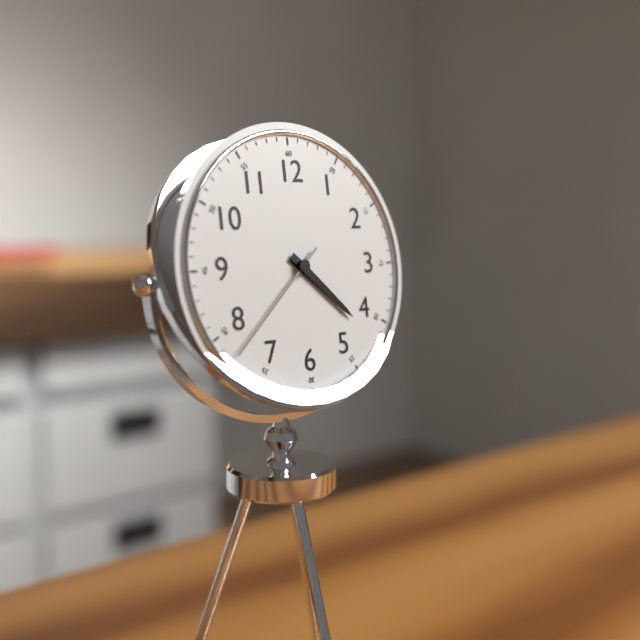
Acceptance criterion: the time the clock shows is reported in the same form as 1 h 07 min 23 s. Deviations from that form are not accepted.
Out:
4 h 22 min 38 s
